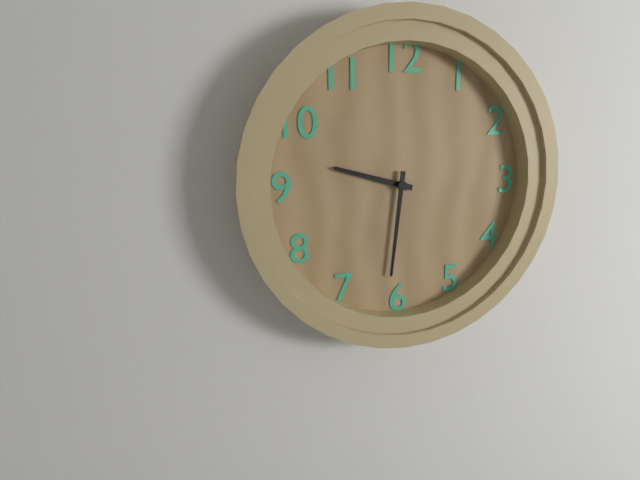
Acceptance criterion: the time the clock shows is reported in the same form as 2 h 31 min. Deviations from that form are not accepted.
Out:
9 h 31 min
